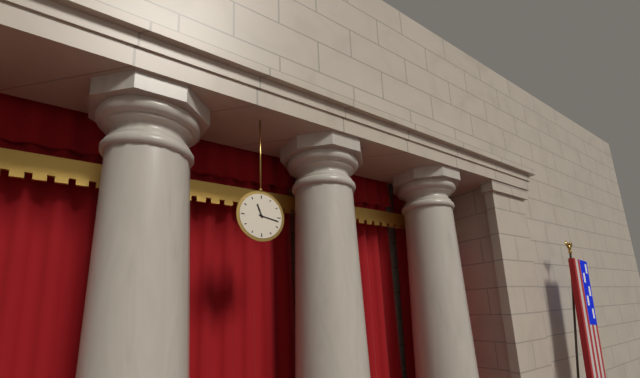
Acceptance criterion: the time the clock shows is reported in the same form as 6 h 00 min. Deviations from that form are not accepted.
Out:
11 h 17 min
